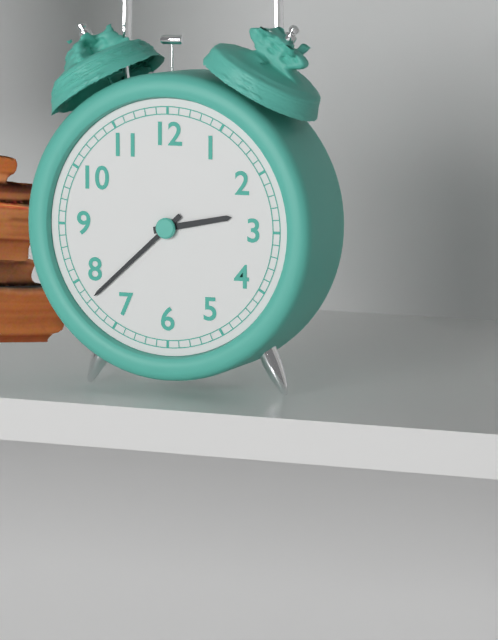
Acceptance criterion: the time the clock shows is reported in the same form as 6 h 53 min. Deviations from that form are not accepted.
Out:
2 h 38 min
